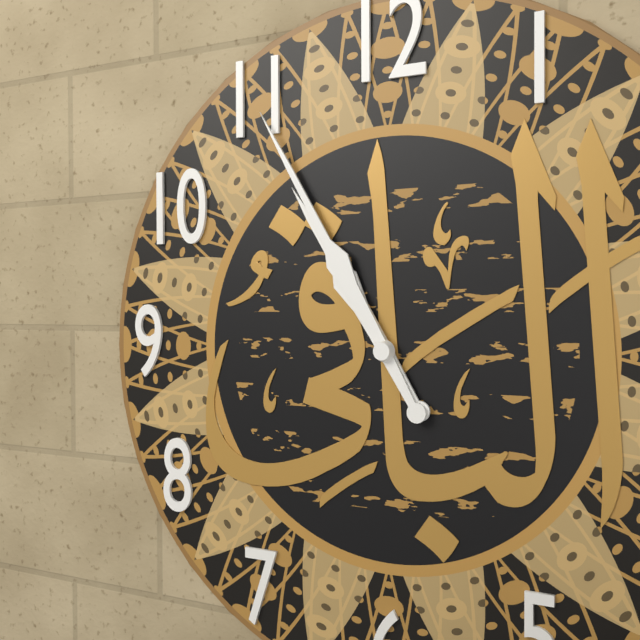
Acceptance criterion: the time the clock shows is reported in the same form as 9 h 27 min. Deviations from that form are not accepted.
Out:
10 h 55 min
